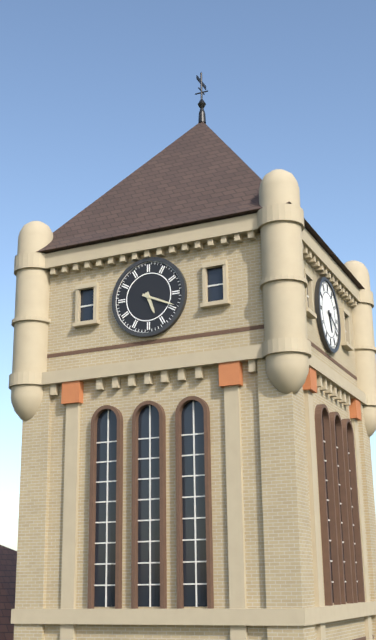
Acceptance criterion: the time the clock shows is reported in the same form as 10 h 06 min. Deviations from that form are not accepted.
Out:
5 h 19 min
